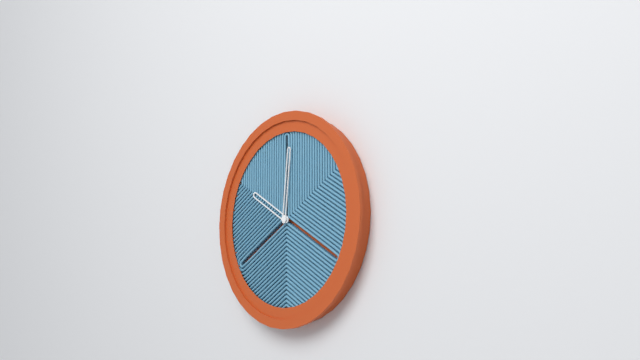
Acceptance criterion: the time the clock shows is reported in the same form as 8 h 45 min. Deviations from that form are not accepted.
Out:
10 h 01 min
